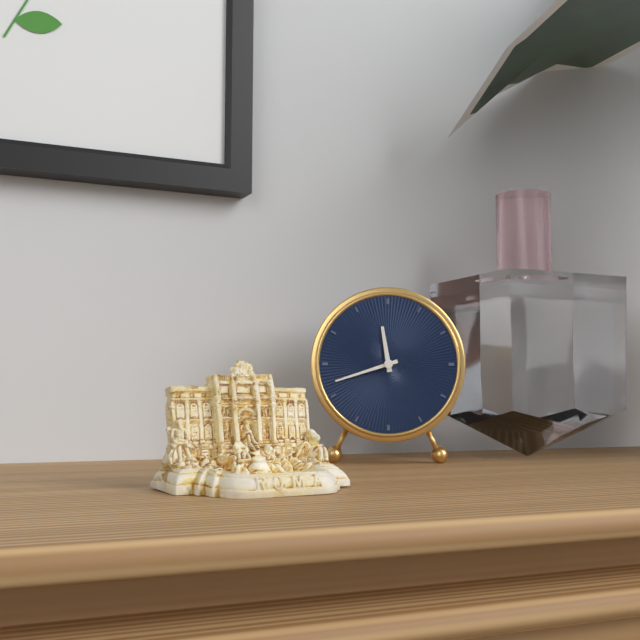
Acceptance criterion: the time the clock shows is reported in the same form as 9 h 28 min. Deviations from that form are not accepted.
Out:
11 h 42 min
